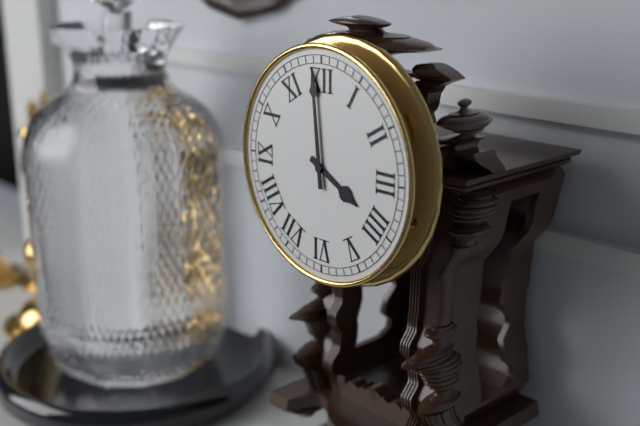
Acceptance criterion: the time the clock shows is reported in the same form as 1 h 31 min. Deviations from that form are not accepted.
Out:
3 h 59 min
